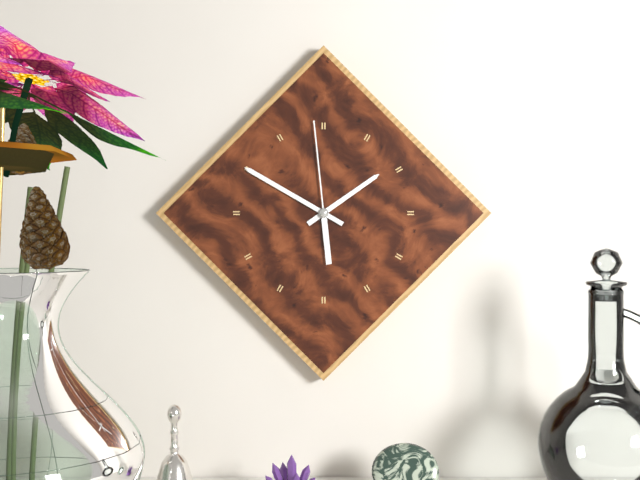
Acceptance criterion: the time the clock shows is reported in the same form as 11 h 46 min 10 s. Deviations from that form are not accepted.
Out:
1 h 50 min 59 s
